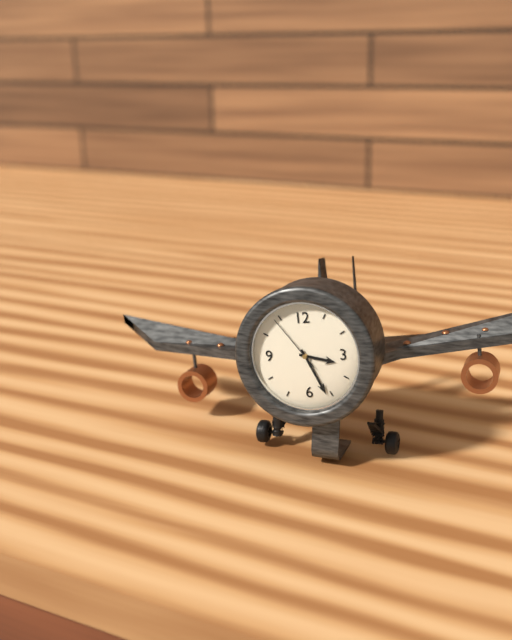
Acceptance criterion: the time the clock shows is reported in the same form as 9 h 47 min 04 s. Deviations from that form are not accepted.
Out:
3 h 26 min 54 s
